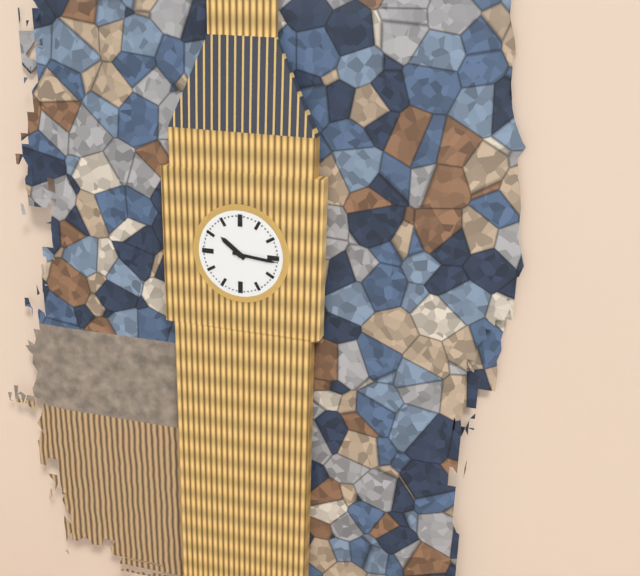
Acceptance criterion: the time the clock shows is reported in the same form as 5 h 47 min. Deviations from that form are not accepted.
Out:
10 h 16 min
